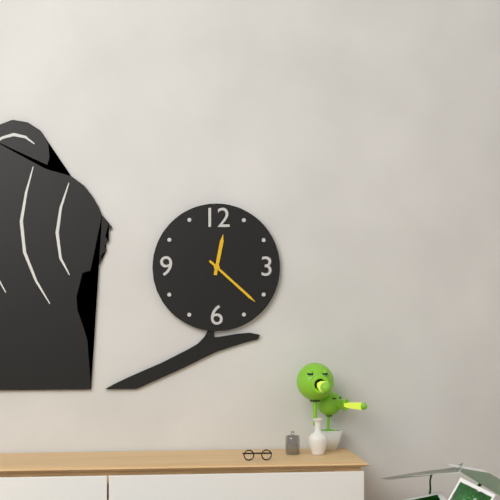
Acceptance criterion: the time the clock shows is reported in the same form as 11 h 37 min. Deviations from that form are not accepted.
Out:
12 h 22 min
